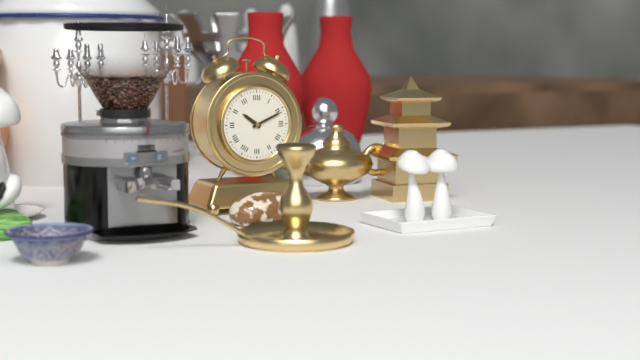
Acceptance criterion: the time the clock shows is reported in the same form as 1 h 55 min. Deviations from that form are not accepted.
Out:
10 h 11 min
